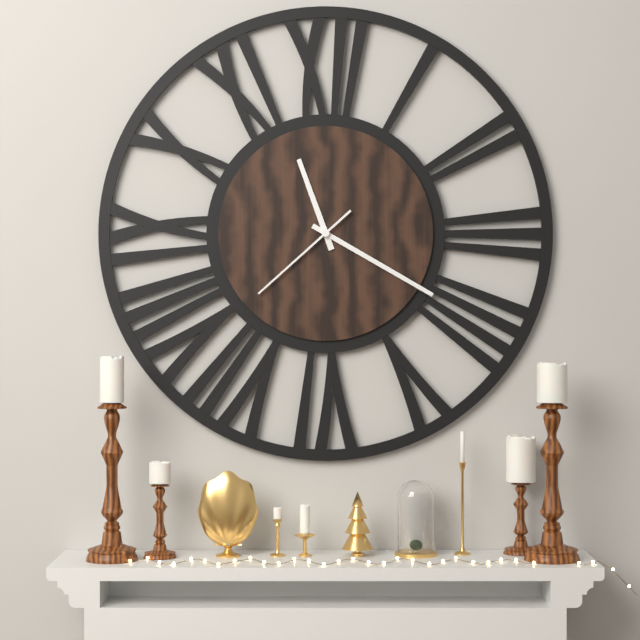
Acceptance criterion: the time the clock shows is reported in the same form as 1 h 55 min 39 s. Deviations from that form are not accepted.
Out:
11 h 20 min 38 s
